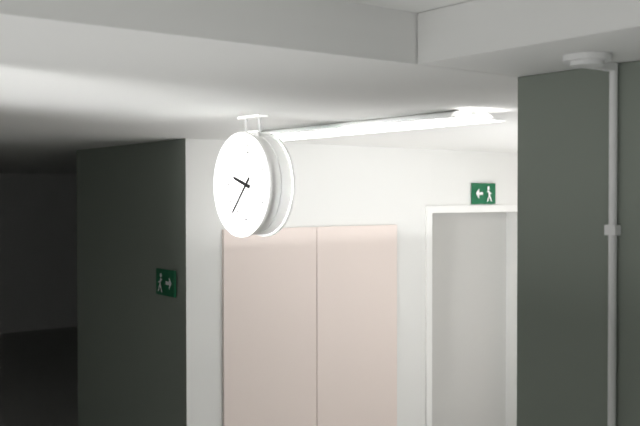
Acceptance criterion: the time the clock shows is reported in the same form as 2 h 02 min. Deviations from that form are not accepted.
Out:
9 h 37 min
